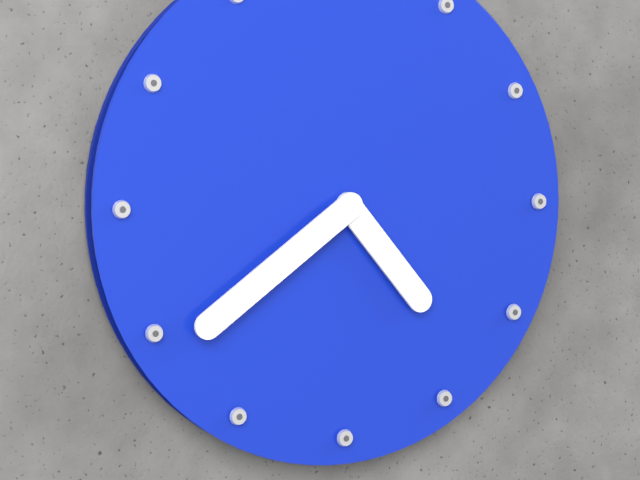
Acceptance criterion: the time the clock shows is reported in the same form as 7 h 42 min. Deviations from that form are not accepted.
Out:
4 h 39 min
